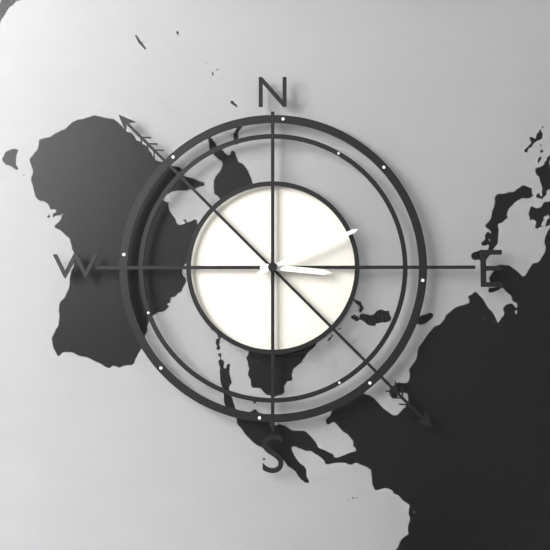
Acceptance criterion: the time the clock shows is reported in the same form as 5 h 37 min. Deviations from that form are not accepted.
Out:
3 h 11 min
